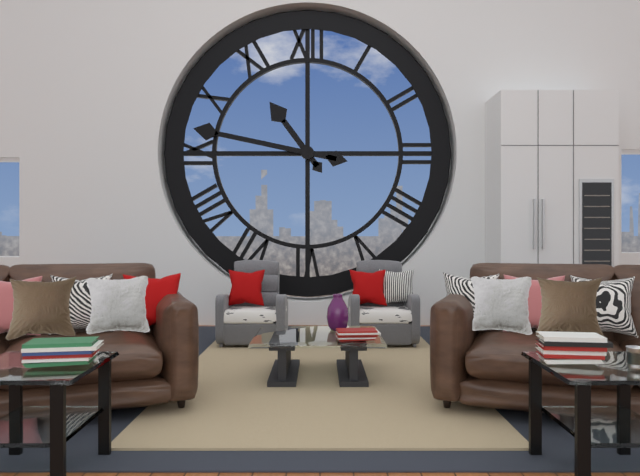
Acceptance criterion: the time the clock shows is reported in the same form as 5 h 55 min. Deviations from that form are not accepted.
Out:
10 h 47 min
